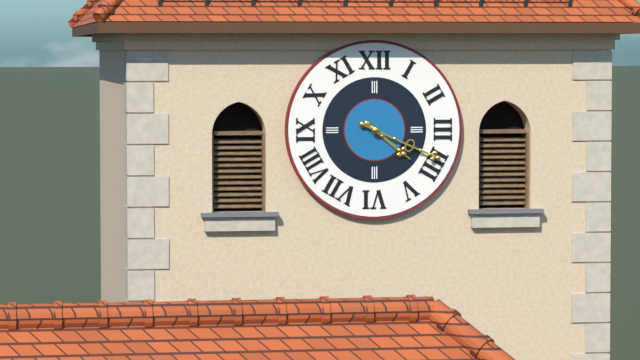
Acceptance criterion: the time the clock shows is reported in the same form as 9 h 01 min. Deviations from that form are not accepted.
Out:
4 h 19 min
